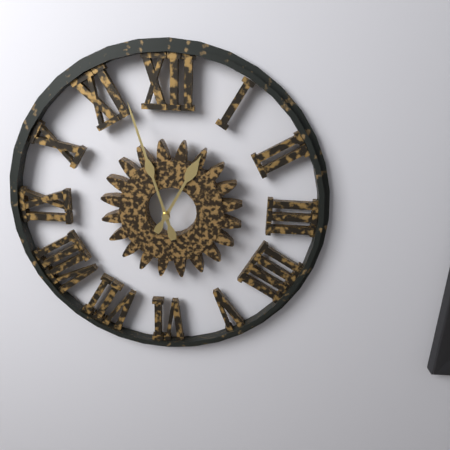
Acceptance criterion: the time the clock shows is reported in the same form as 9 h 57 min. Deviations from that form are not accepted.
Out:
12 h 57 min
